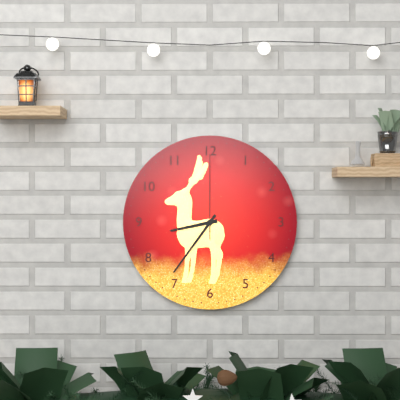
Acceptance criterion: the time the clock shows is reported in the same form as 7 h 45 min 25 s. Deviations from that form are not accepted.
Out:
8 h 36 min 00 s
